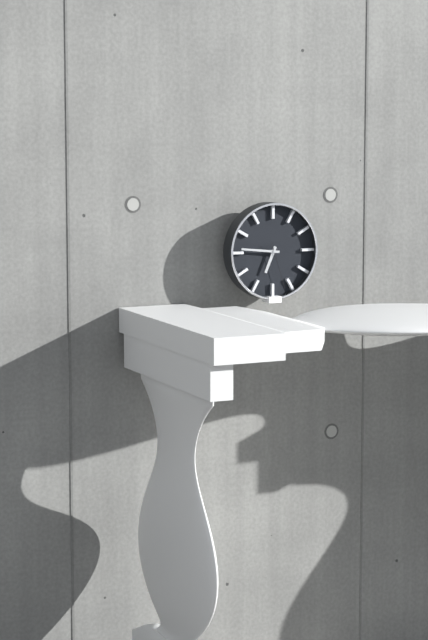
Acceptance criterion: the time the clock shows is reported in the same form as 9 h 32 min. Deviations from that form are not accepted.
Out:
6 h 46 min
